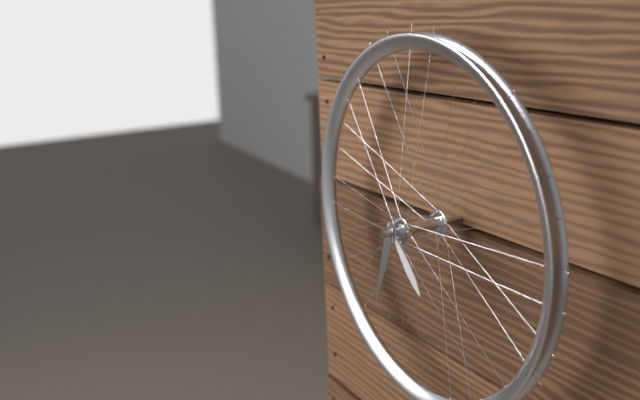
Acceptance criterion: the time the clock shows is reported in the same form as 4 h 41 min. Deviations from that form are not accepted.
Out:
4 h 33 min
